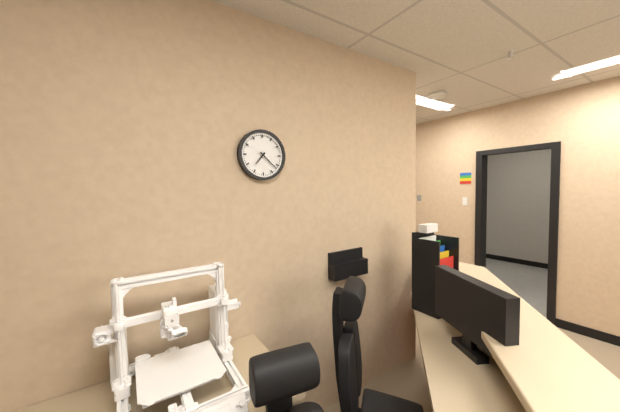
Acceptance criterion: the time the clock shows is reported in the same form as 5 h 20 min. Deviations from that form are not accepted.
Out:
7 h 22 min
